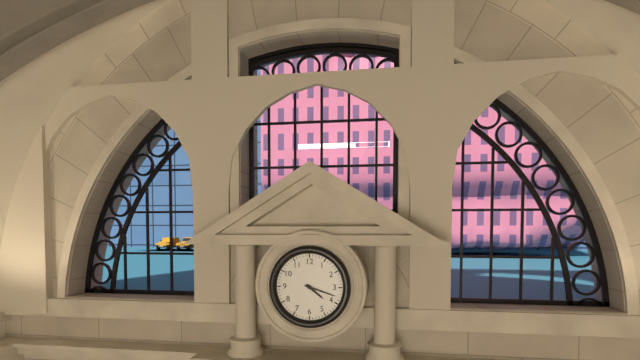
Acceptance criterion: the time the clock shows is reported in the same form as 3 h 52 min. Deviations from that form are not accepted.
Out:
4 h 18 min
